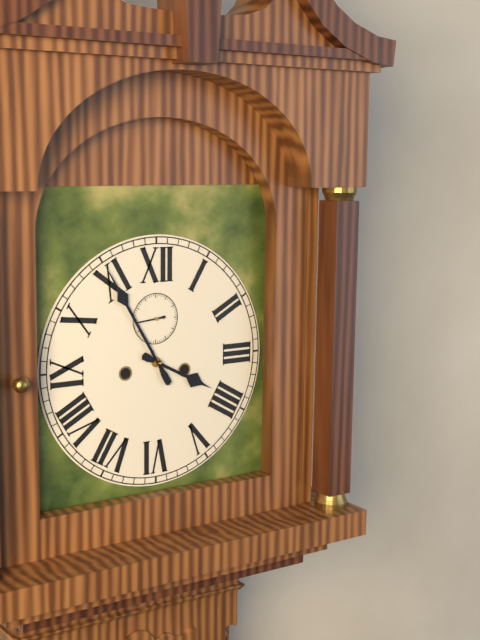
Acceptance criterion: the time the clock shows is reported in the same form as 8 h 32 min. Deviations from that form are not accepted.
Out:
3 h 55 min
